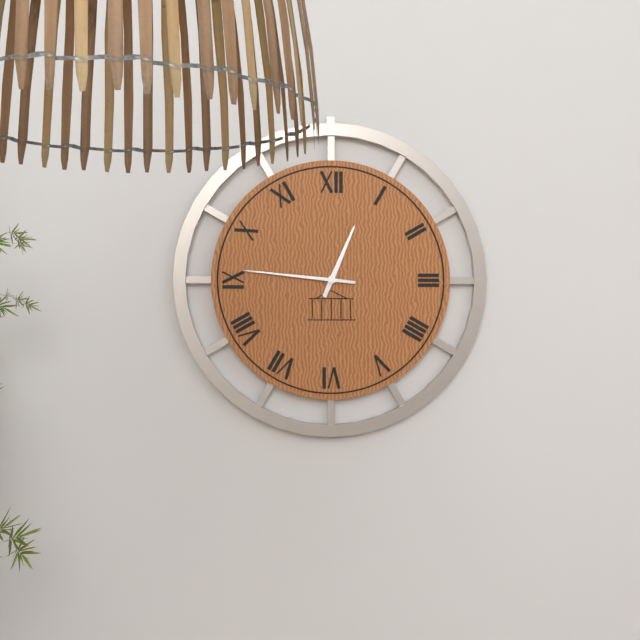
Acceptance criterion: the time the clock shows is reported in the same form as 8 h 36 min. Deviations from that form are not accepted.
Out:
12 h 46 min
